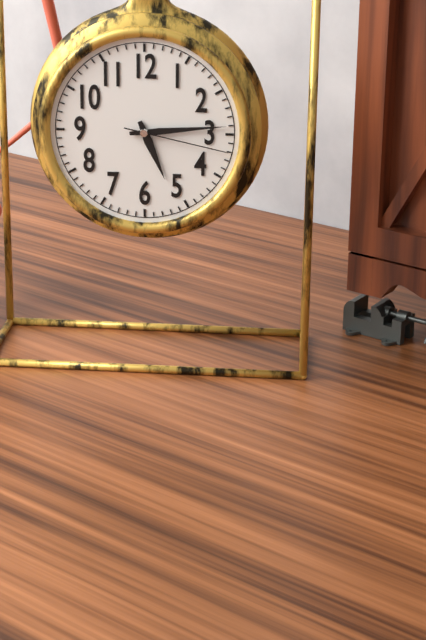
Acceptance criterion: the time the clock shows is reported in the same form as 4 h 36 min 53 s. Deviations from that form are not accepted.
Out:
5 h 14 min 17 s
